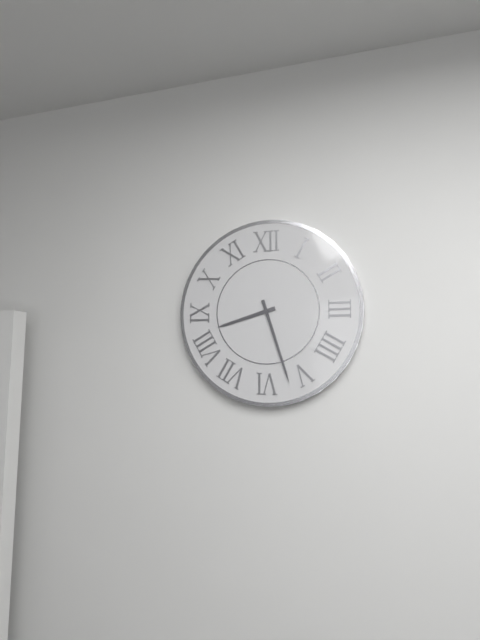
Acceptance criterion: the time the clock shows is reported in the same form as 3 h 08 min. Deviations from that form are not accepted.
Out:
8 h 27 min
